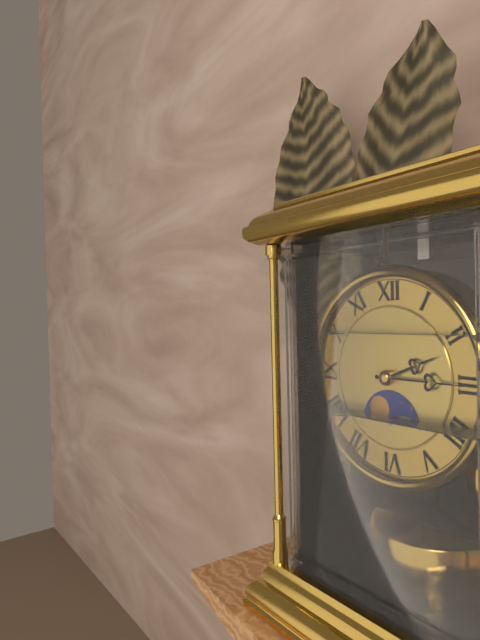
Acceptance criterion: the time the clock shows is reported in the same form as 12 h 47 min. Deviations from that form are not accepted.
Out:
2 h 15 min
